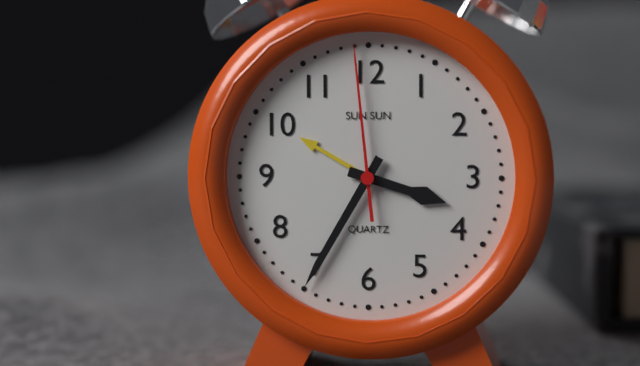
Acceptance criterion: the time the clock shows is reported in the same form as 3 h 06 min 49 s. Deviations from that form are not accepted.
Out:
3 h 35 min 59 s
